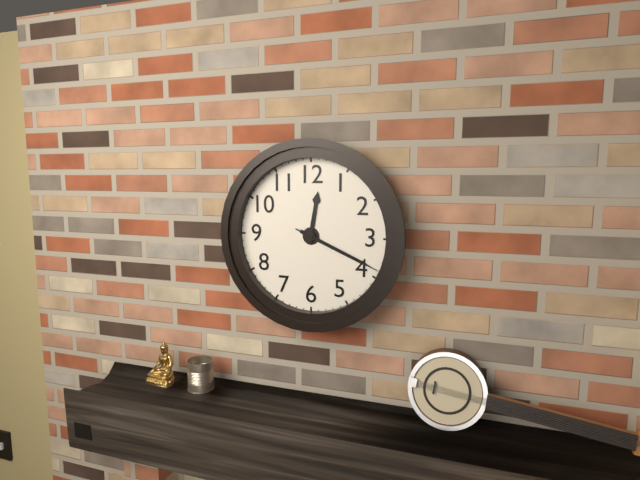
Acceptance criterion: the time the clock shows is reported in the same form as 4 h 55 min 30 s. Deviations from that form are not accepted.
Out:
12 h 19 min 19 s
